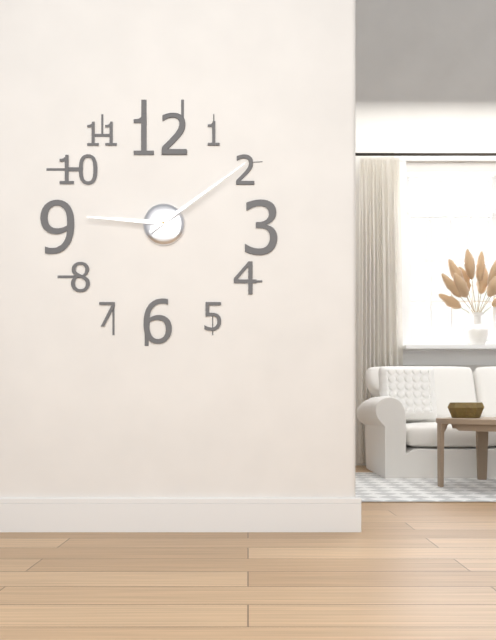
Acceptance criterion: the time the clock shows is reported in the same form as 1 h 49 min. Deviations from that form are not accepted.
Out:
9 h 09 min
